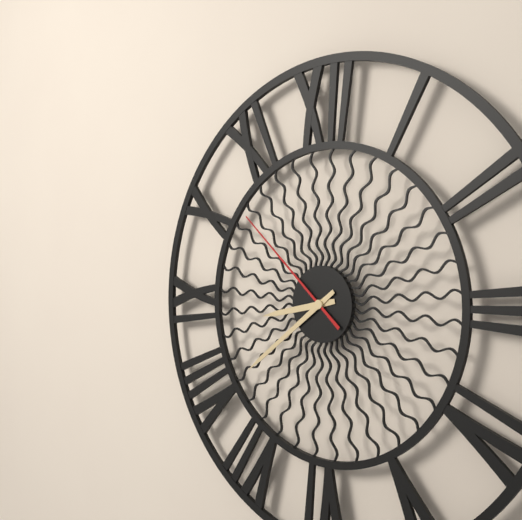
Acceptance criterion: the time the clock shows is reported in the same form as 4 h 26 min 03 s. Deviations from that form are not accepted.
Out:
8 h 39 min 52 s
